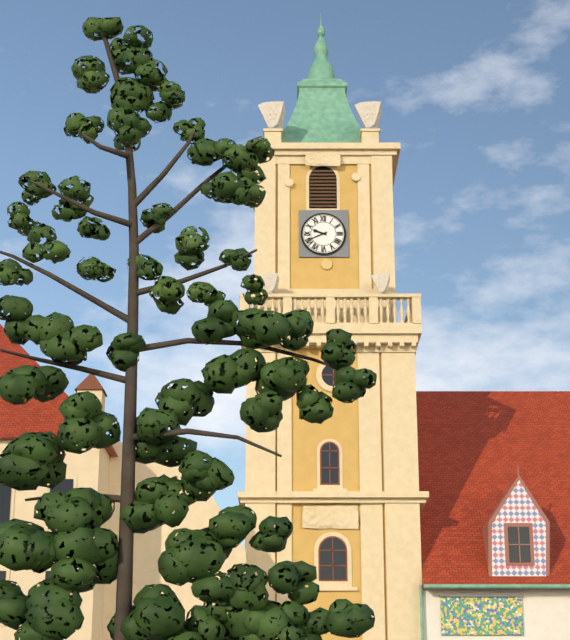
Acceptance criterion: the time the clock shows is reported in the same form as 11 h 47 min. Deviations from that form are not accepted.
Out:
9 h 41 min
